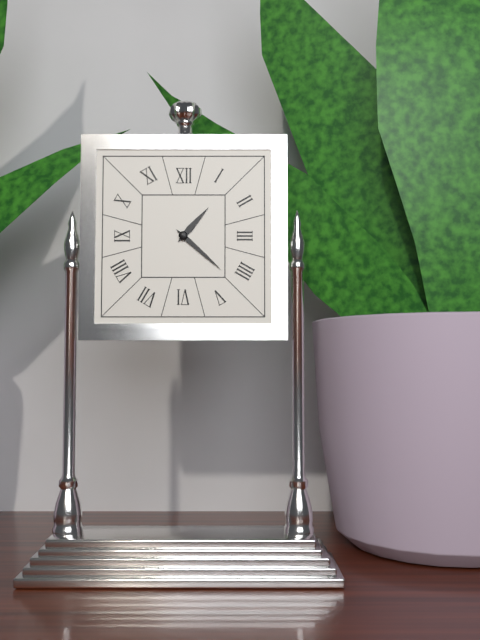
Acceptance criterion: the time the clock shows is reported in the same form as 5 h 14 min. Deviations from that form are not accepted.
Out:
1 h 22 min
